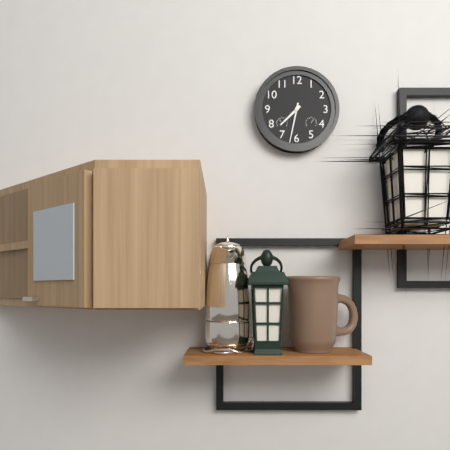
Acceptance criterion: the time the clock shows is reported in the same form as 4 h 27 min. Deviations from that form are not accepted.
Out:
7 h 32 min
